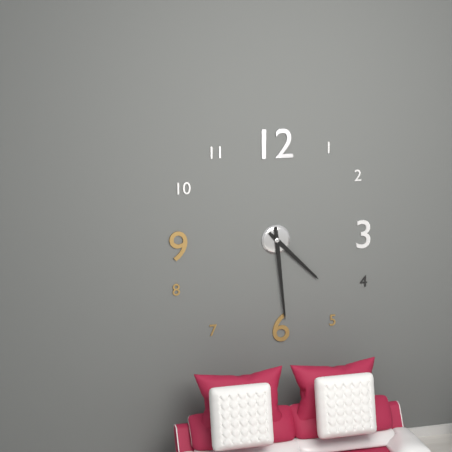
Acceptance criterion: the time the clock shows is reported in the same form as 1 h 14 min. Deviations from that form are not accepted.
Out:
4 h 29 min
